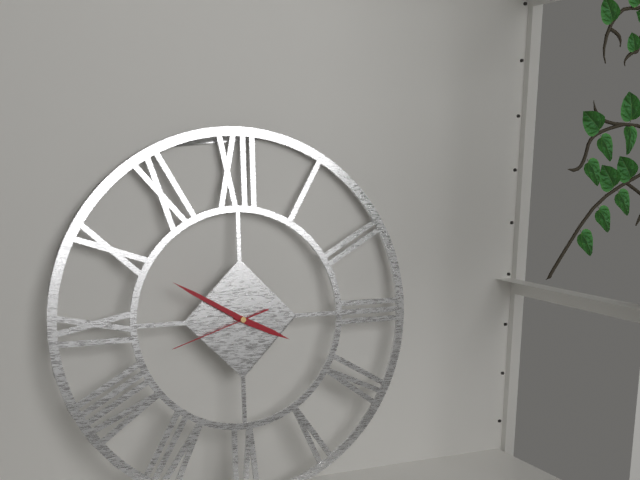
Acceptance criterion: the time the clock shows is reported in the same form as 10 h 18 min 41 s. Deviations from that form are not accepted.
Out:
3 h 50 min 42 s
